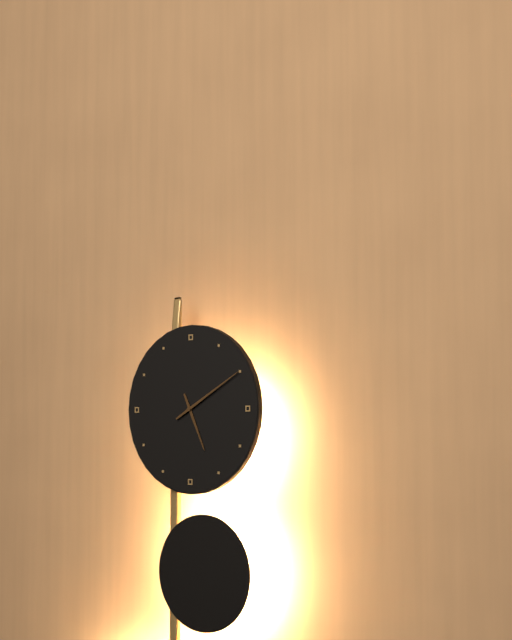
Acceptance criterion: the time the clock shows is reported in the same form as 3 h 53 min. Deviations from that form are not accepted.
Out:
5 h 10 min
